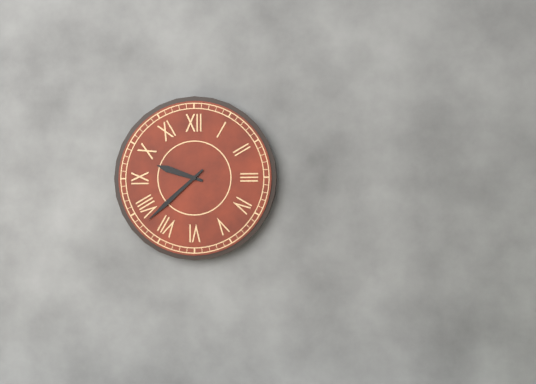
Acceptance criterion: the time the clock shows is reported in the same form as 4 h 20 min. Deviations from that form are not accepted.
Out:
9 h 38 min
